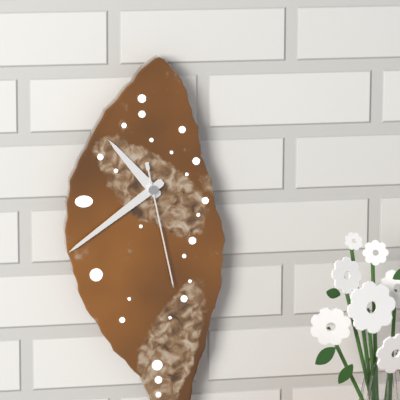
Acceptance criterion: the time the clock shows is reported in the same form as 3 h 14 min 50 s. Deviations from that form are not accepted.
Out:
10 h 39 min 28 s
